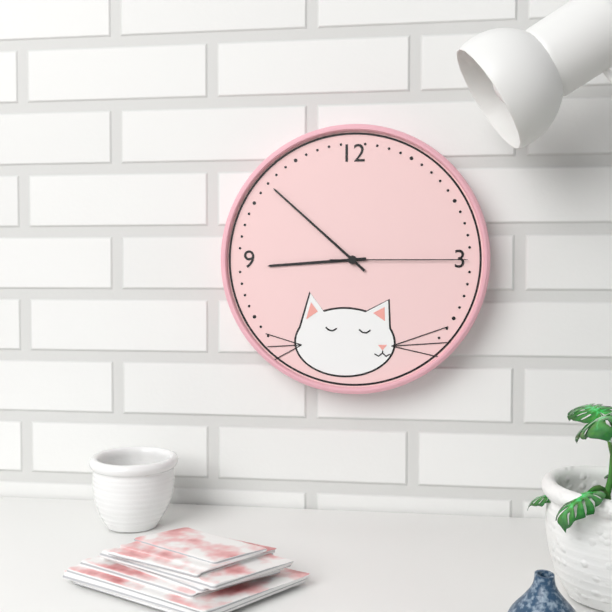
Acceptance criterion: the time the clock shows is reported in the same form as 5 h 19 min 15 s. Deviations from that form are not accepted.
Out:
8 h 52 min 15 s
